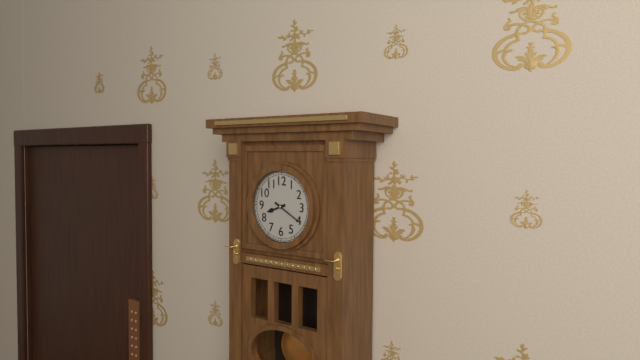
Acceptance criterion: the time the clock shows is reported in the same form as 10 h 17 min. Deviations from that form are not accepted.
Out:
8 h 20 min
